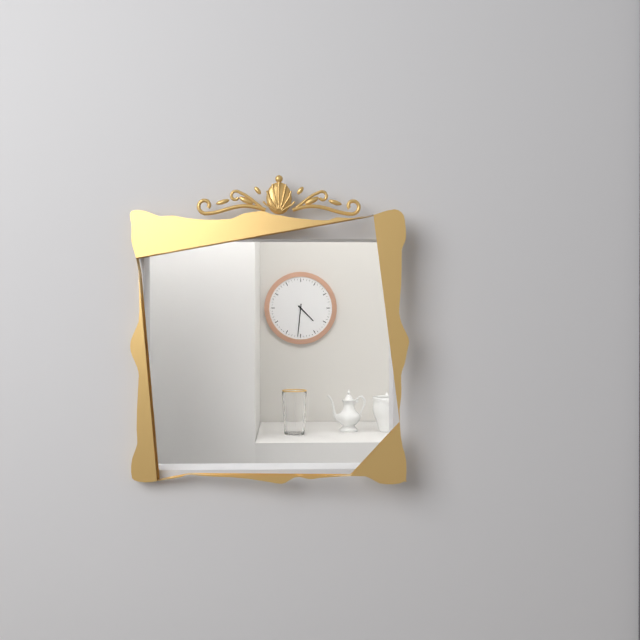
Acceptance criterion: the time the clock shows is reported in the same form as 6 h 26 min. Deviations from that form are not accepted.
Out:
4 h 31 min
